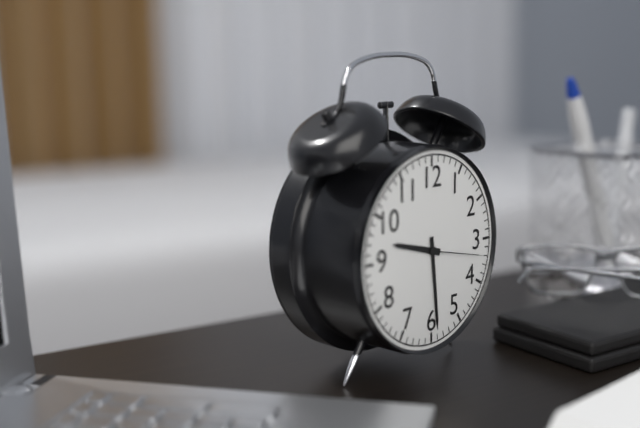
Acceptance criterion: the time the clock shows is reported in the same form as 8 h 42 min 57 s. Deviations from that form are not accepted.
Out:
9 h 29 min 17 s
